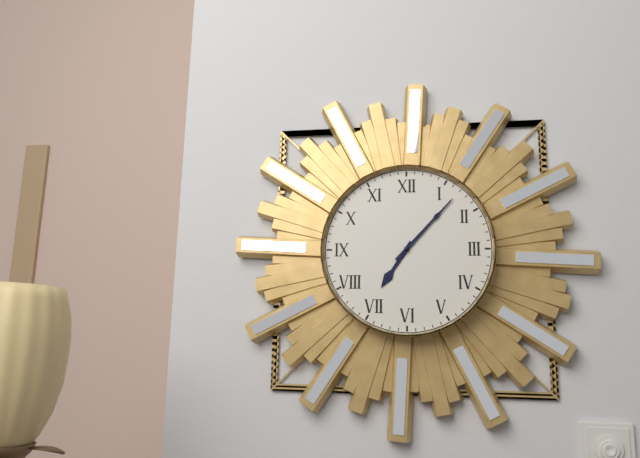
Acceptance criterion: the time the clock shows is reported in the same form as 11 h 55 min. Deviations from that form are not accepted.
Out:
7 h 07 min
